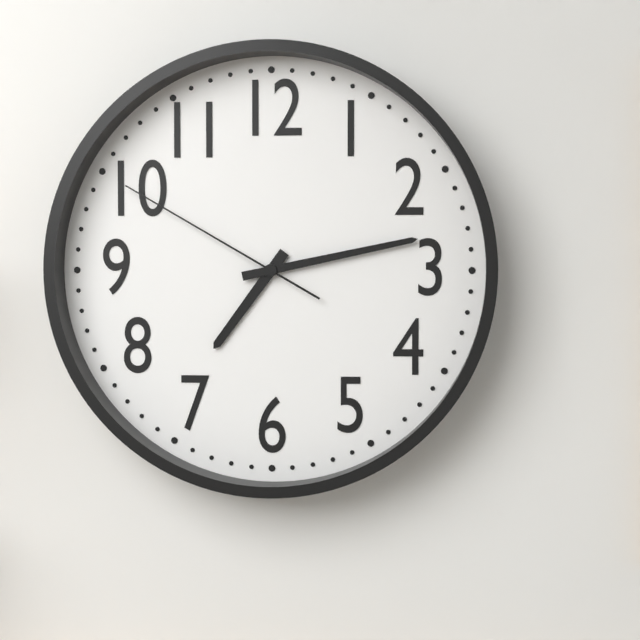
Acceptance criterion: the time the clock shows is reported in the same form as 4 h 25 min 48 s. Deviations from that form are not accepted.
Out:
7 h 13 min 50 s
